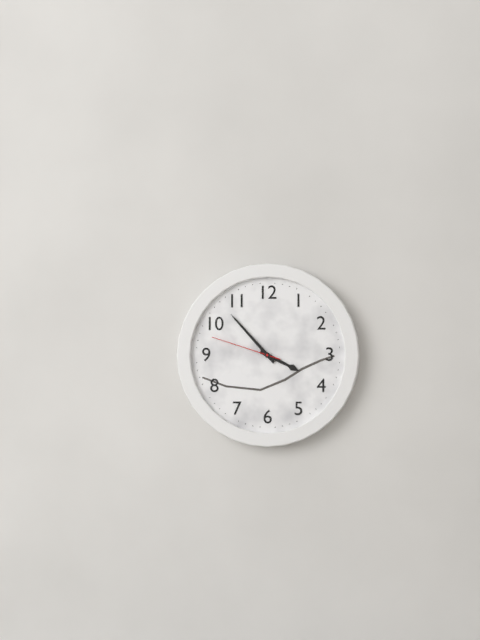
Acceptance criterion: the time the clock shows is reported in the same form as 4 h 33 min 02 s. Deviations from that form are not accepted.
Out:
3 h 53 min 48 s
